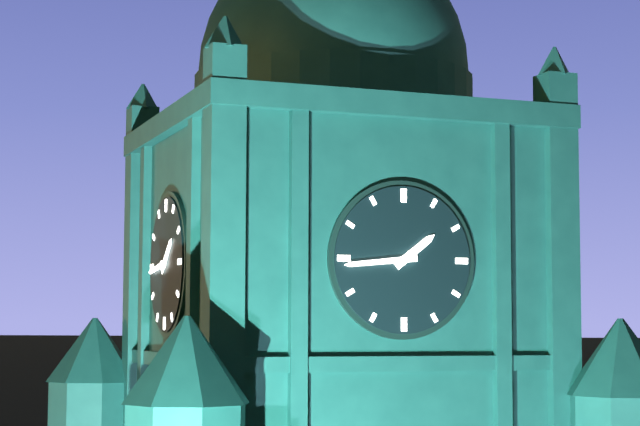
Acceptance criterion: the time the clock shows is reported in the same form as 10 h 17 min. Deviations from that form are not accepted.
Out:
1 h 44 min
